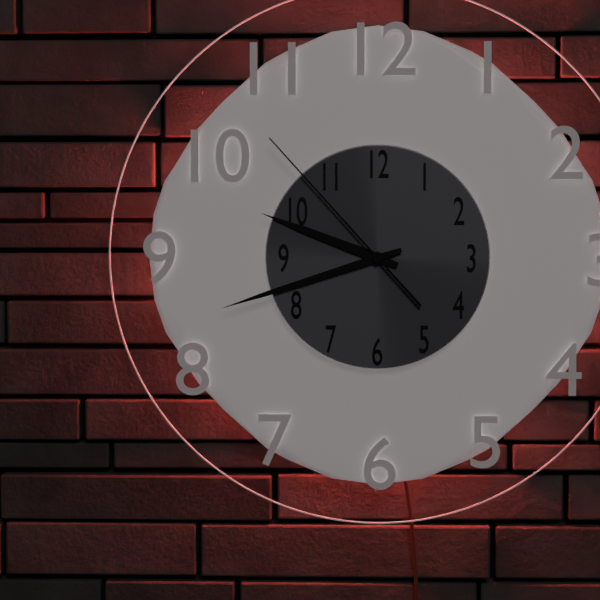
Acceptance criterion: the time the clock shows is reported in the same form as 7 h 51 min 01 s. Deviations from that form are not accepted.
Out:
9 h 42 min 53 s
